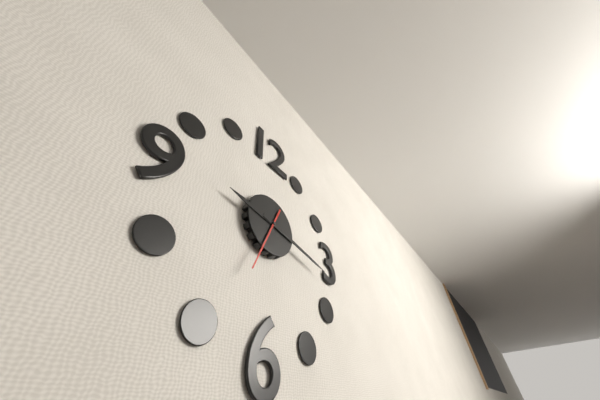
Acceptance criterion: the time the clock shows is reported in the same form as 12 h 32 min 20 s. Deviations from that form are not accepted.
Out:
9 h 17 min 34 s
